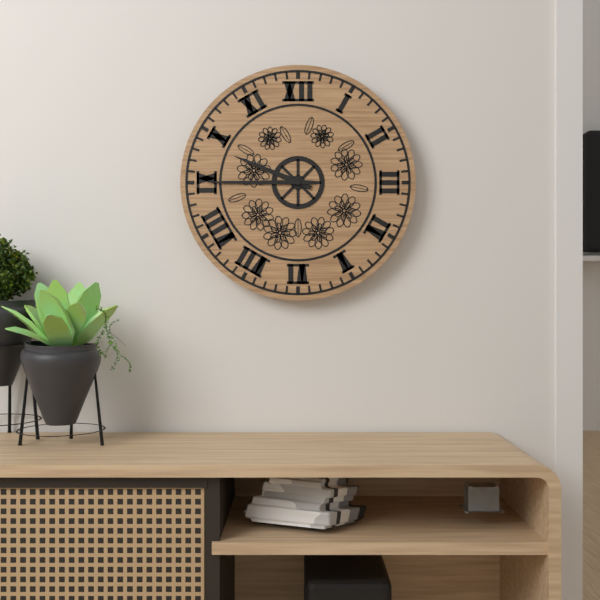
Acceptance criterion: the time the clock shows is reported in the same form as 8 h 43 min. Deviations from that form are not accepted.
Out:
9 h 45 min
